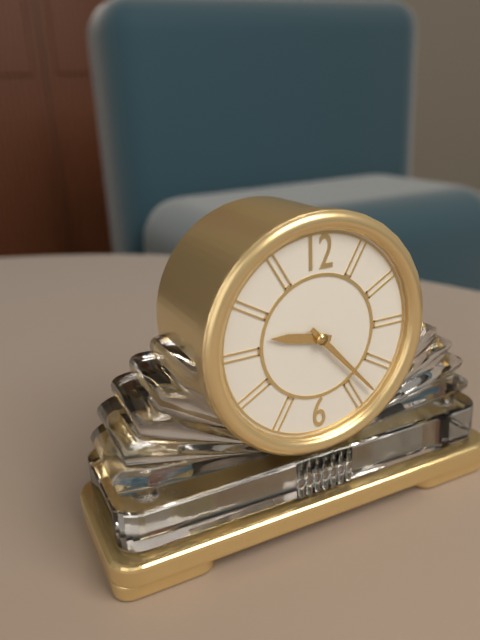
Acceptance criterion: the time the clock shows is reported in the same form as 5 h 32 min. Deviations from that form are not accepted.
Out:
9 h 23 min
